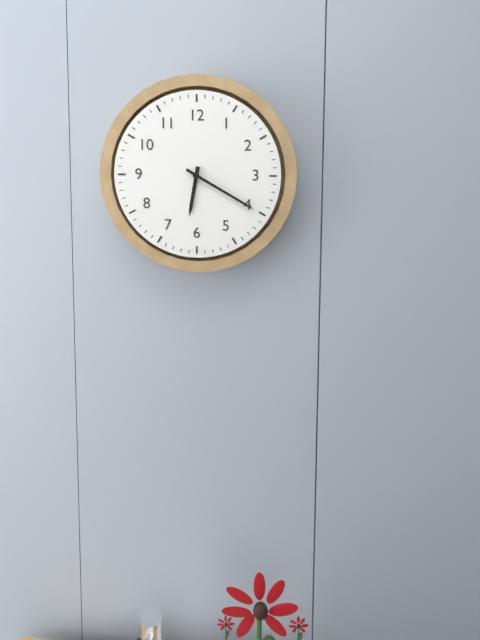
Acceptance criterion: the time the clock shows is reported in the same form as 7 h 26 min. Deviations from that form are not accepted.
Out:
6 h 20 min
